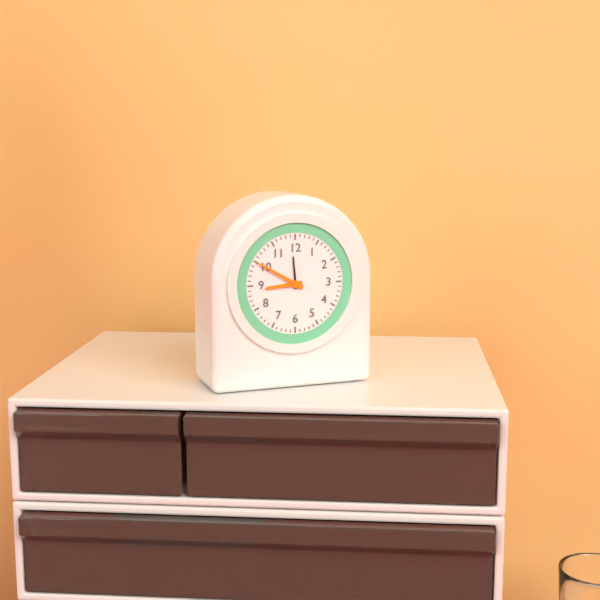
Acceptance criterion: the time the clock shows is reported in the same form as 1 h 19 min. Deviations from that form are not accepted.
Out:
8 h 50 min
